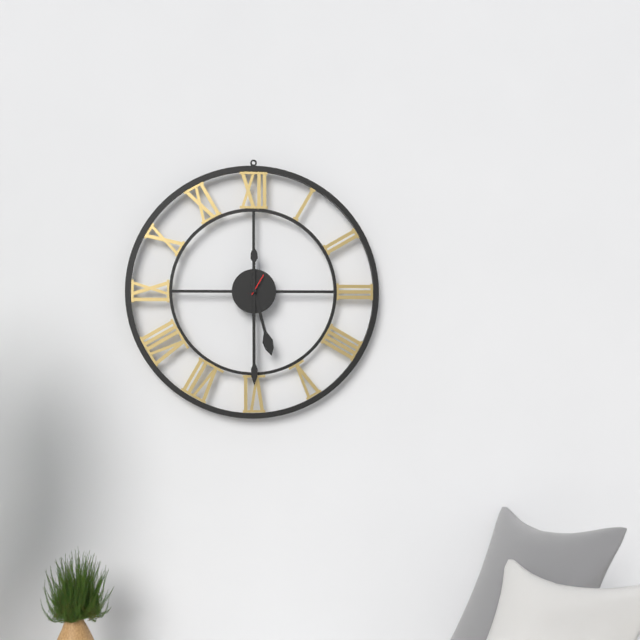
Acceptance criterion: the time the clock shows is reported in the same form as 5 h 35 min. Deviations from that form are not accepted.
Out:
5 h 30 min
